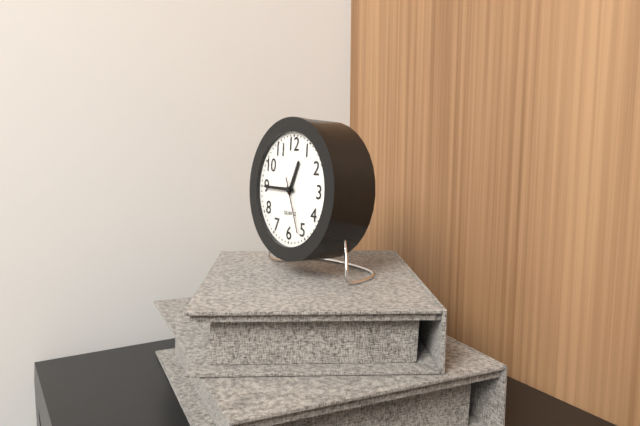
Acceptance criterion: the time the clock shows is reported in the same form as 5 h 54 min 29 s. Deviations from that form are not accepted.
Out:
12 h 45 min 26 s
